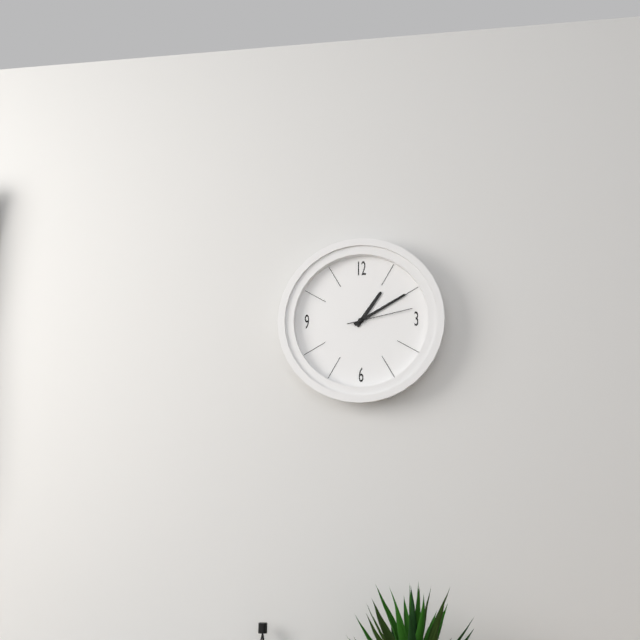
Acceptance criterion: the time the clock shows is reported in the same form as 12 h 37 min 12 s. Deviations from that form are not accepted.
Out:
1 h 10 min 13 s
